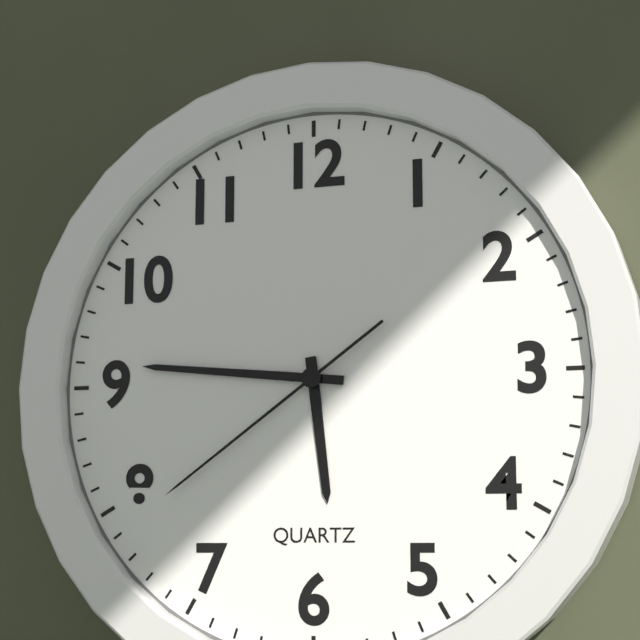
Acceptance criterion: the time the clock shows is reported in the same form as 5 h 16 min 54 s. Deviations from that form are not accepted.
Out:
5 h 46 min 39 s
